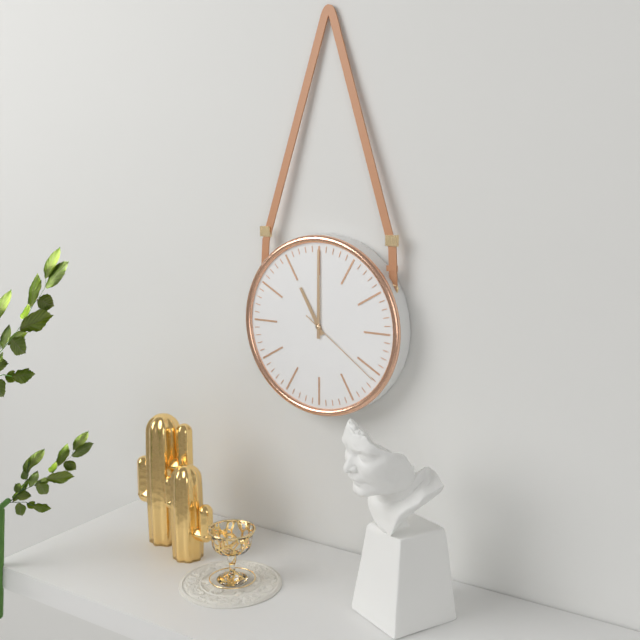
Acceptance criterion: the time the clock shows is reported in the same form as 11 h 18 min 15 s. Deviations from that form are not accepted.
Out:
11 h 00 min 21 s
